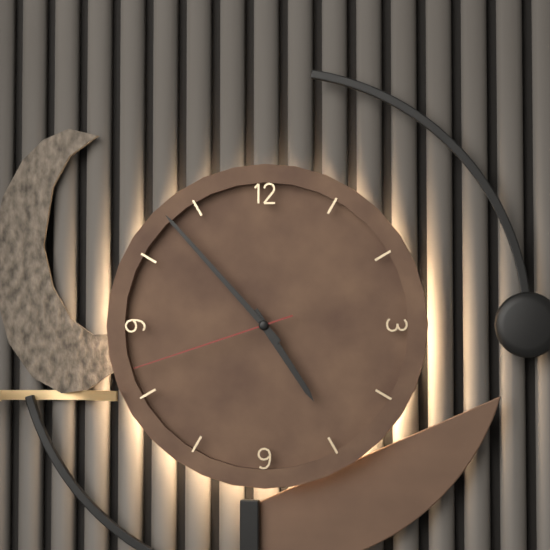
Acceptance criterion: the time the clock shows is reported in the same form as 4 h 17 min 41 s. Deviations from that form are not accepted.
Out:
4 h 53 min 42 s
